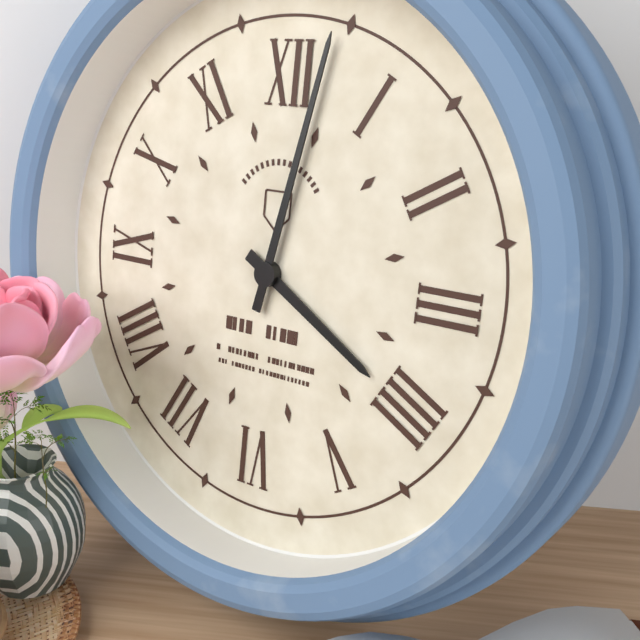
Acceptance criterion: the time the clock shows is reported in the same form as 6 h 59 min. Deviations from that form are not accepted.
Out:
4 h 02 min
